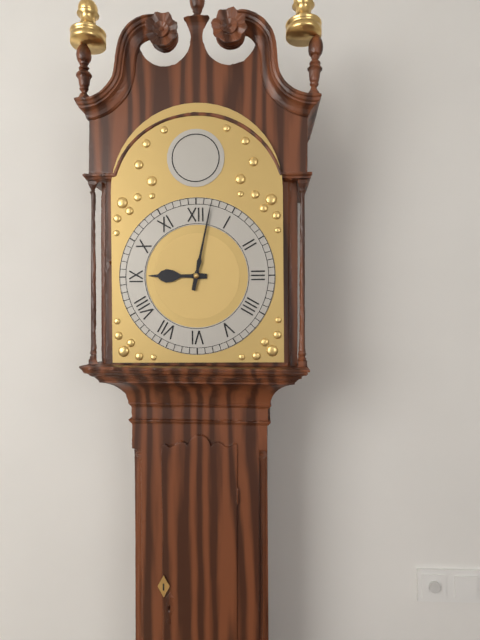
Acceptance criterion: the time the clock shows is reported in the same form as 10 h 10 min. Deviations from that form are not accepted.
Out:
9 h 02 min
